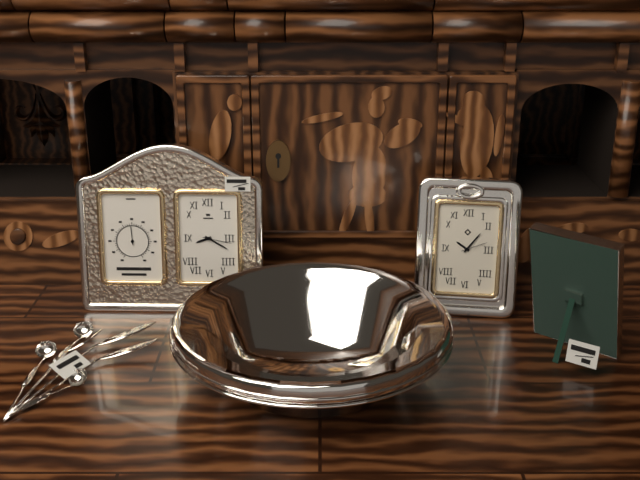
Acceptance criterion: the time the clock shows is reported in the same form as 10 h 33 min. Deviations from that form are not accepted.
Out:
8 h 20 min
